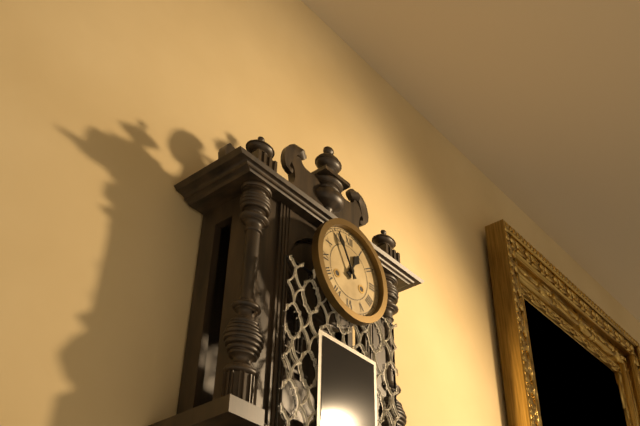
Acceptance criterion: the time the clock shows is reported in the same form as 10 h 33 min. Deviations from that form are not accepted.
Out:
12 h 55 min
